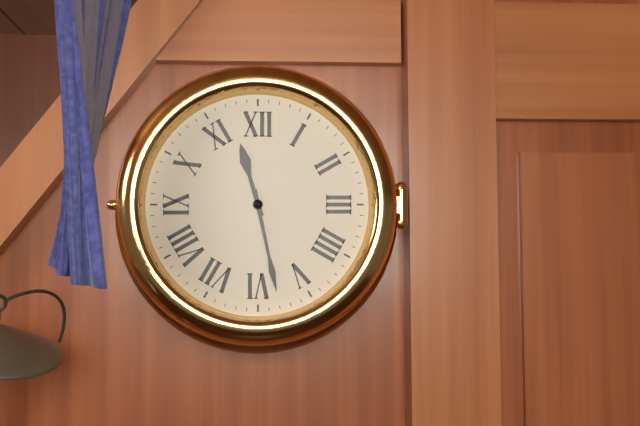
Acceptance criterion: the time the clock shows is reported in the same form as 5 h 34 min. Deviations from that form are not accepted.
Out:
11 h 28 min
